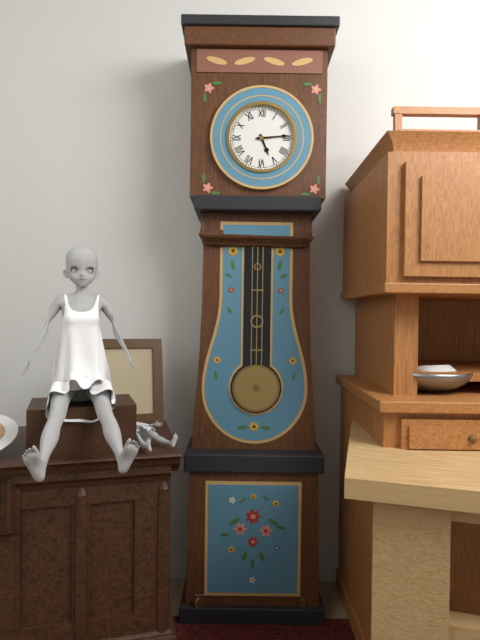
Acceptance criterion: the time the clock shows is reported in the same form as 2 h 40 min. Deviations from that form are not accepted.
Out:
5 h 14 min
